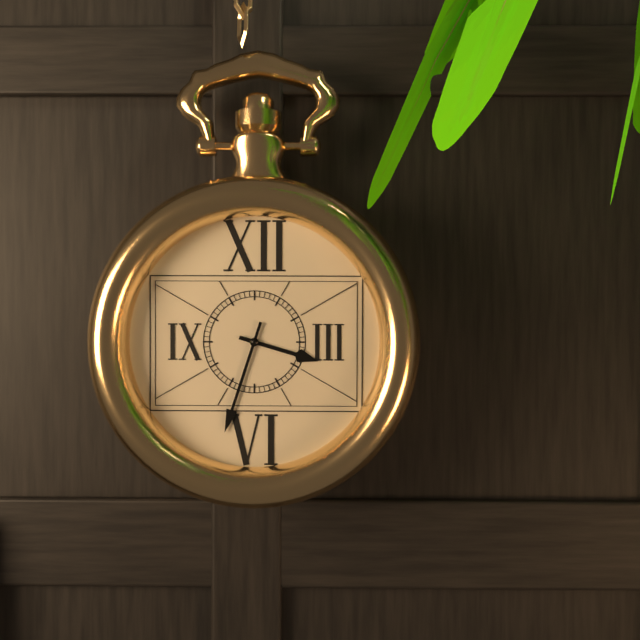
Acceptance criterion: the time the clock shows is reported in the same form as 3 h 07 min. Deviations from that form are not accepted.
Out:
3 h 33 min
